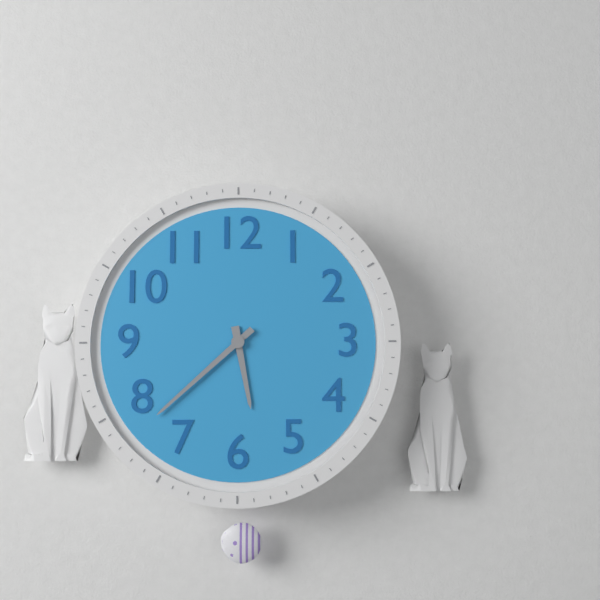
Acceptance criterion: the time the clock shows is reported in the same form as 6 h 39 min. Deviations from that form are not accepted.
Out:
5 h 38 min
